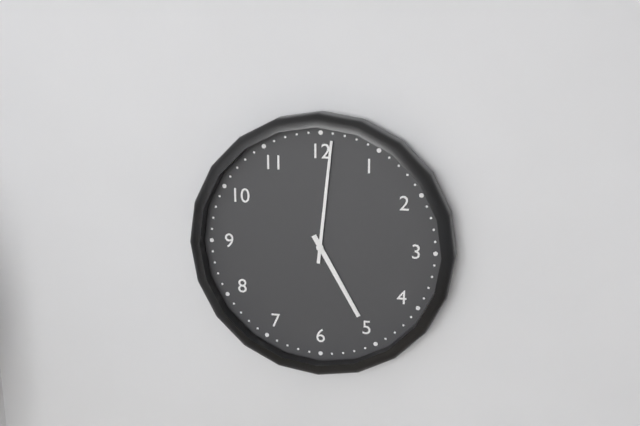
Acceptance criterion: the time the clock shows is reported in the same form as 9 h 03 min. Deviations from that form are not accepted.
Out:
5 h 01 min
